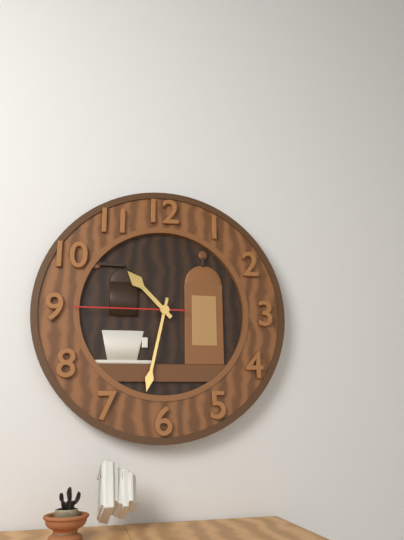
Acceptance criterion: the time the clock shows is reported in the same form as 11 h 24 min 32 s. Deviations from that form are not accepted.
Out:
10 h 32 min 45 s
